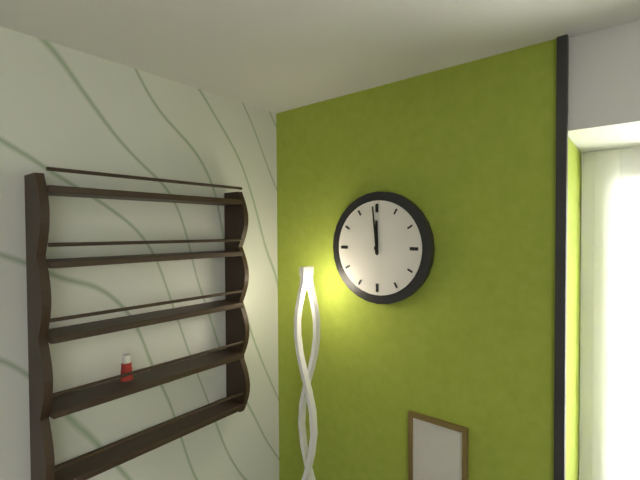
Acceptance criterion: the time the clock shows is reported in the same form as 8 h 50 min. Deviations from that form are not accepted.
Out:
11 h 59 min
